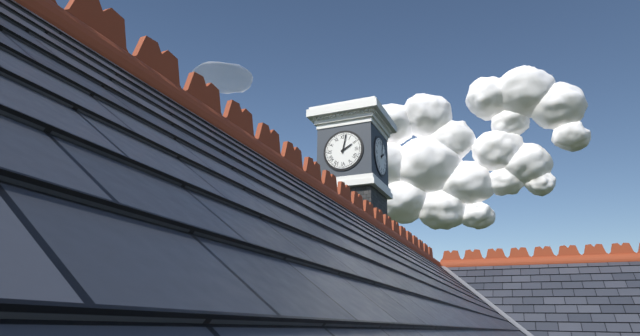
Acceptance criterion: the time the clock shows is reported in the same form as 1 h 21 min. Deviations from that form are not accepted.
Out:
2 h 02 min
